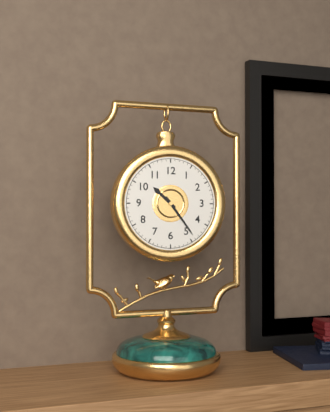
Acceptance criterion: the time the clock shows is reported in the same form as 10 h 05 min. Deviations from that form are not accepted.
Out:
10 h 24 min
